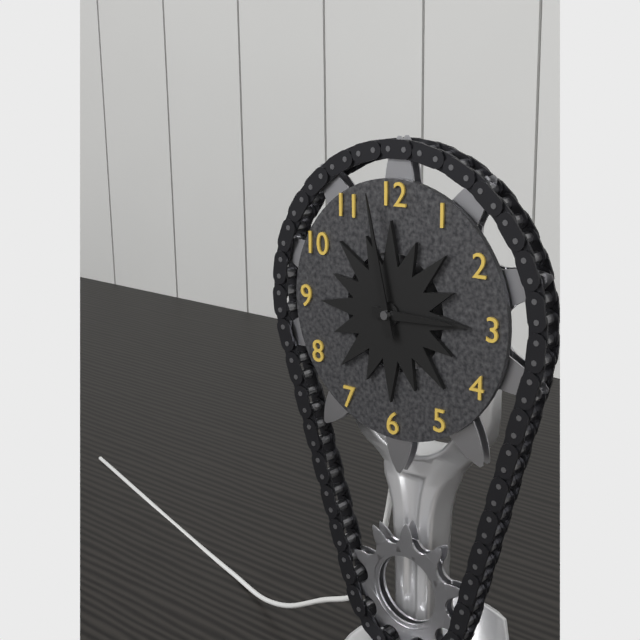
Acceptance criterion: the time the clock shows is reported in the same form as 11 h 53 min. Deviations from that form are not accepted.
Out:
2 h 58 min
